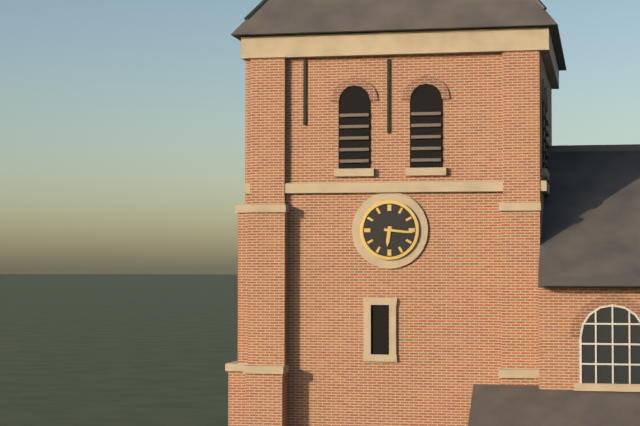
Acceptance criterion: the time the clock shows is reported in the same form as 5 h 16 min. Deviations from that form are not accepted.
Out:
6 h 16 min
